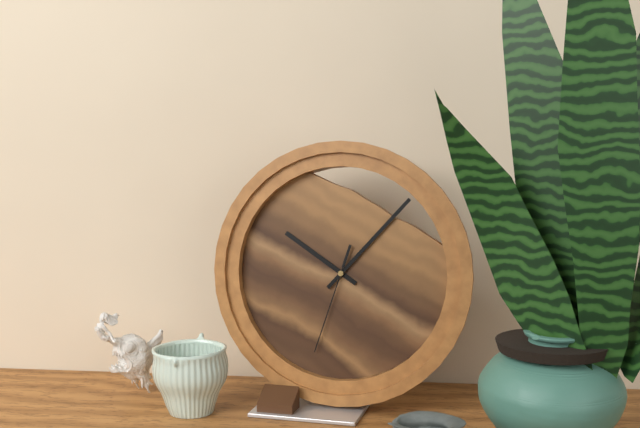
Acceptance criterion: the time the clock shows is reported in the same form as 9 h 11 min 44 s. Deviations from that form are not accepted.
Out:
10 h 07 min 33 s
